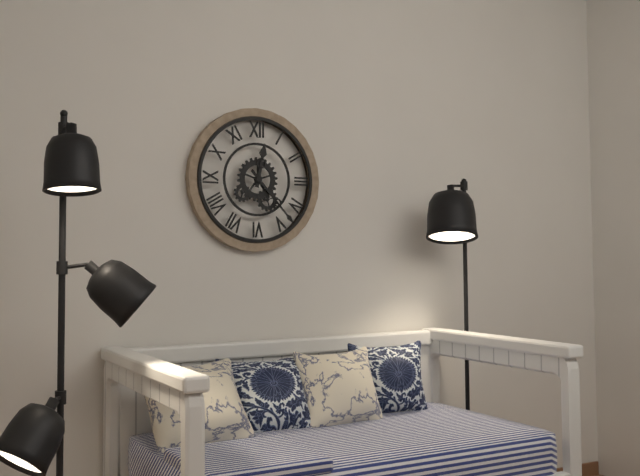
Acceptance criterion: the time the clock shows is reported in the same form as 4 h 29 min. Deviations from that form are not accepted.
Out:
12 h 23 min
